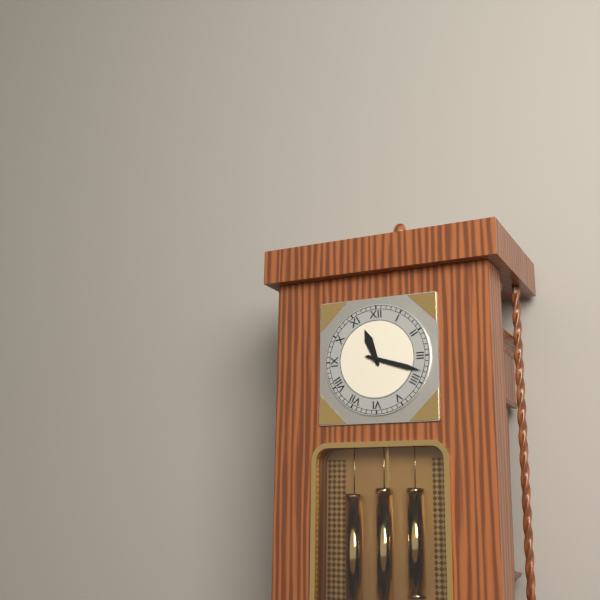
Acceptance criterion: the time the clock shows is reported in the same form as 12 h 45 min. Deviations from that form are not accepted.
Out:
11 h 18 min
